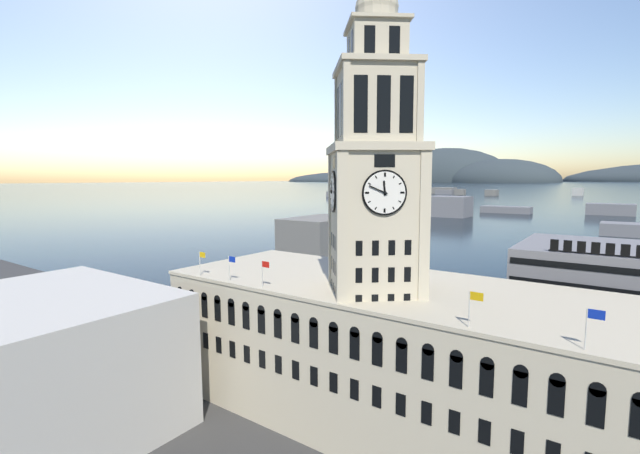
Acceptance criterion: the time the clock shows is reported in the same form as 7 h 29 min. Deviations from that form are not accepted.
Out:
11 h 49 min
